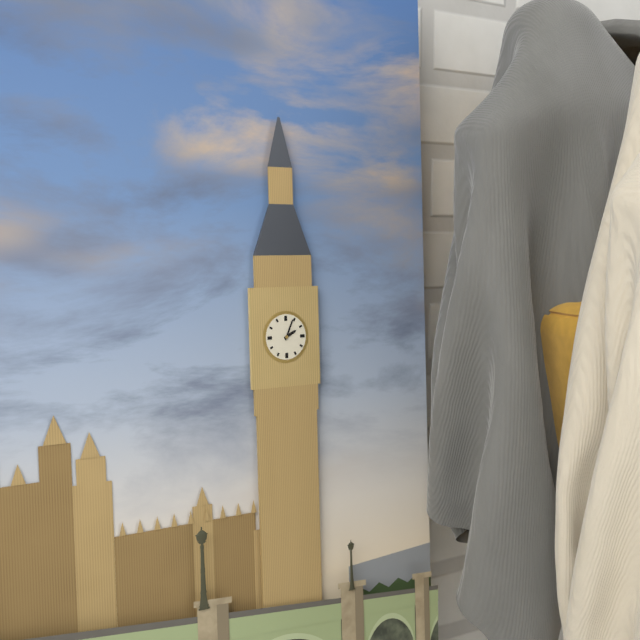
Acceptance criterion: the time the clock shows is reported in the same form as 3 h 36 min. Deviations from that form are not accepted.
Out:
2 h 04 min
